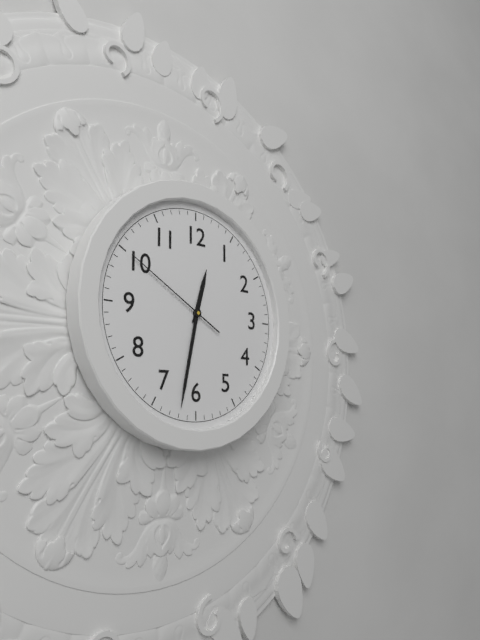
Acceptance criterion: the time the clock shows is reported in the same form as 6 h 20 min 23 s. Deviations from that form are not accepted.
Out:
12 h 32 min 50 s
